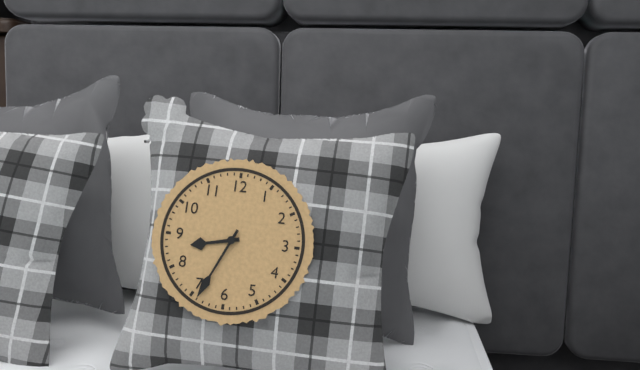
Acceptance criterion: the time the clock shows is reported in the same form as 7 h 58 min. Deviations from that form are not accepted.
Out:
8 h 34 min
